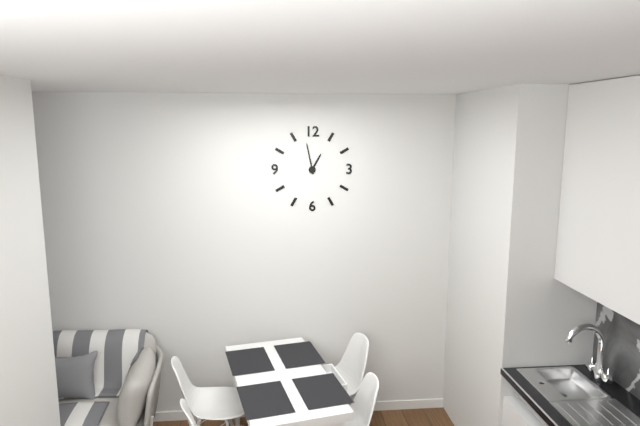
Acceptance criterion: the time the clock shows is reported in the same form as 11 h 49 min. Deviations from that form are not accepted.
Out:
12 h 58 min
